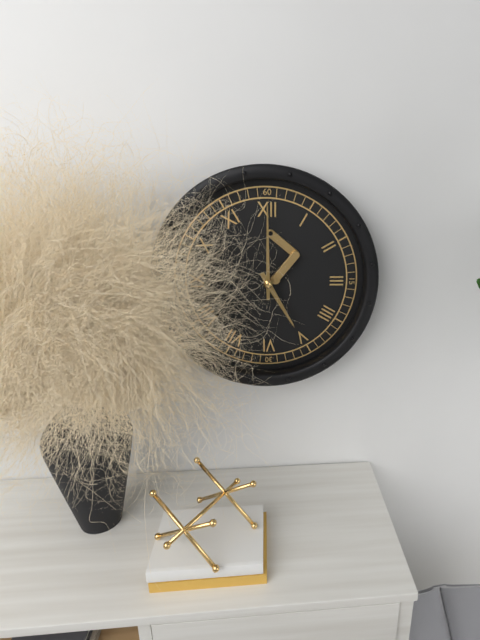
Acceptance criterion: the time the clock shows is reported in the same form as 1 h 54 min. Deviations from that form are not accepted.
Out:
5 h 00 min
